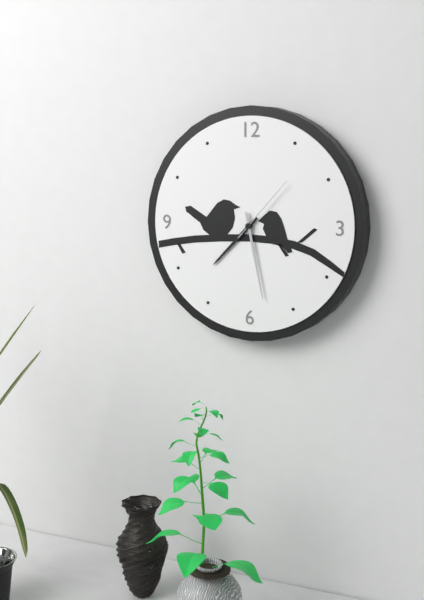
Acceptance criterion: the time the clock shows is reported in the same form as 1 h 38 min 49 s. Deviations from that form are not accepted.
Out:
7 h 28 min 07 s
